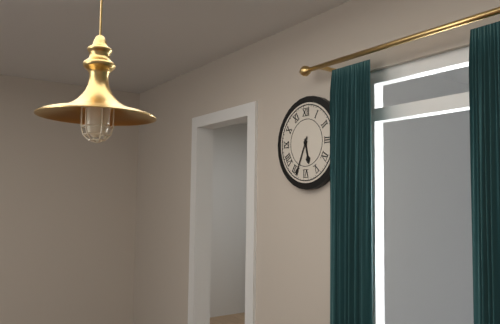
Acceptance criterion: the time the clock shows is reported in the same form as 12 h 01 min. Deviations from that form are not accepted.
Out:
5 h 34 min
